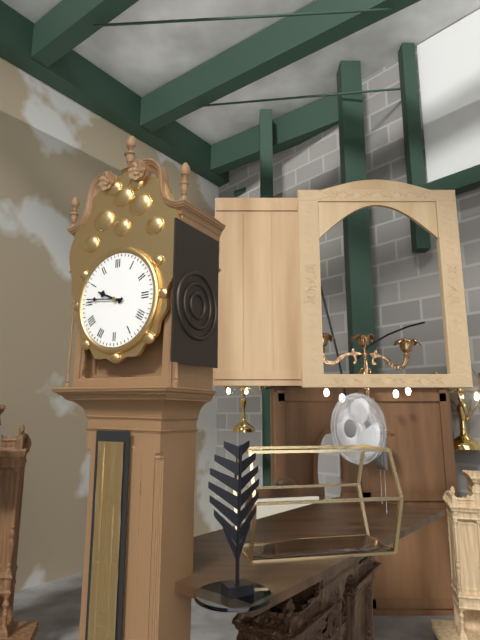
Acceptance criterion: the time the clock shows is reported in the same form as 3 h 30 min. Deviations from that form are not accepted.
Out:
9 h 46 min
